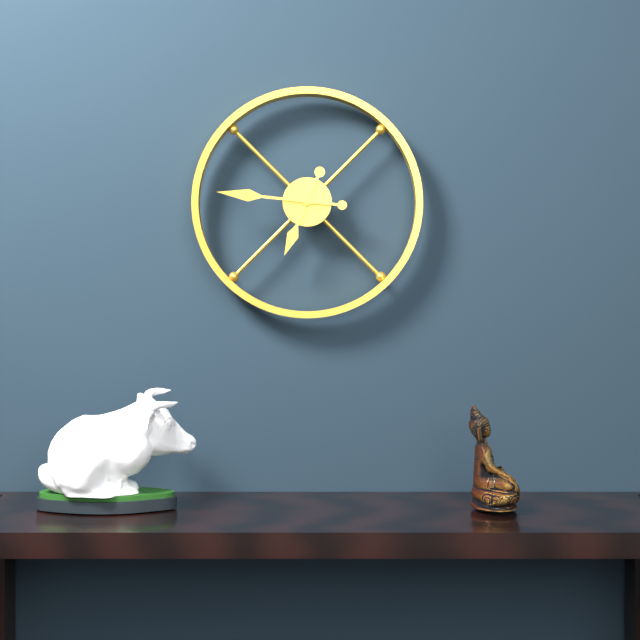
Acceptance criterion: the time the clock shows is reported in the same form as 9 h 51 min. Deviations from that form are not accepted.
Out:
6 h 46 min
